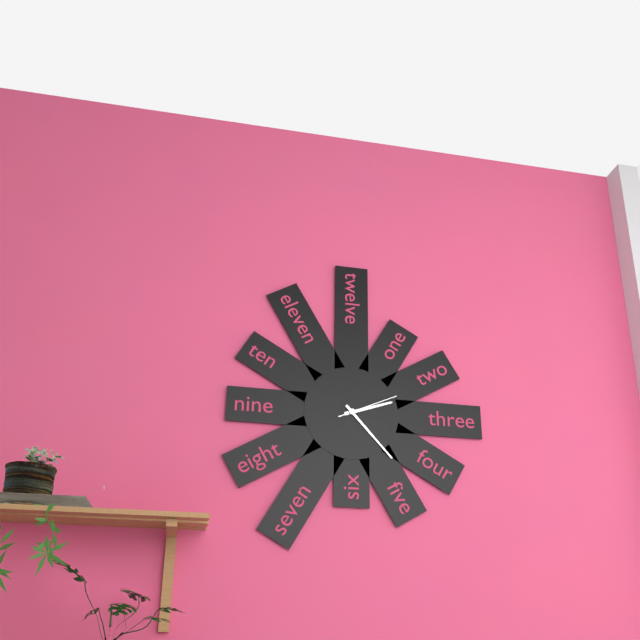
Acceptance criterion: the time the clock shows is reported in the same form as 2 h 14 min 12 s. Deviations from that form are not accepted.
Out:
2 h 23 min 11 s
